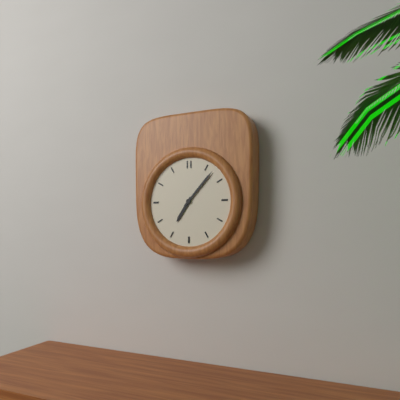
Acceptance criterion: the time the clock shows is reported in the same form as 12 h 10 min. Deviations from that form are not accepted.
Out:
7 h 07 min
